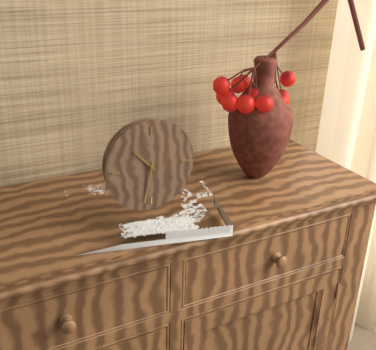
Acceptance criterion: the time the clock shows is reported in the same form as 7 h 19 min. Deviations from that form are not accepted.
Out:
10 h 32 min
